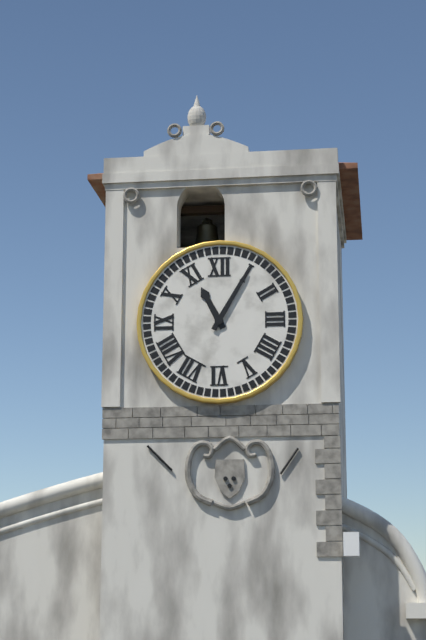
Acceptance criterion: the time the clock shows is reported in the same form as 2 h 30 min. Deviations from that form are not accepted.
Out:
11 h 05 min
